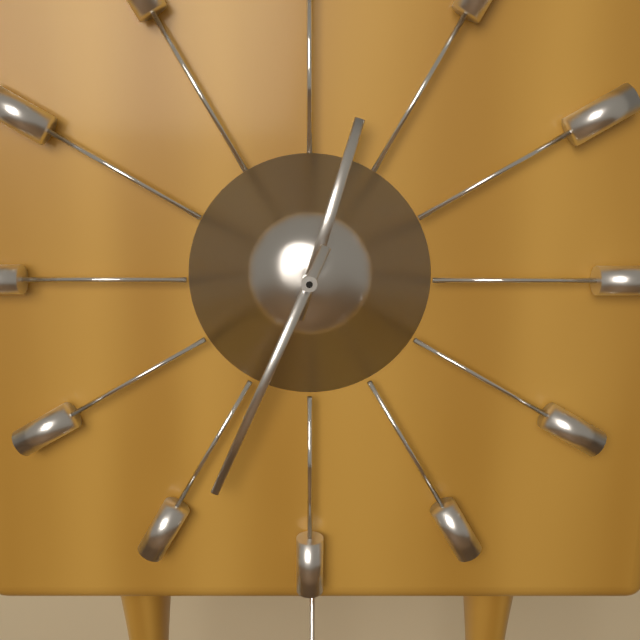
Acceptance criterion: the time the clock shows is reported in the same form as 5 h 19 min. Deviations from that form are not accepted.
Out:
12 h 34 min
